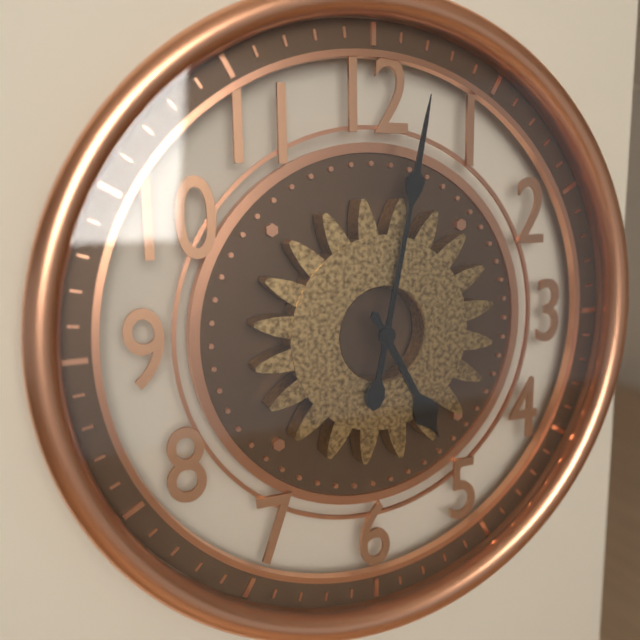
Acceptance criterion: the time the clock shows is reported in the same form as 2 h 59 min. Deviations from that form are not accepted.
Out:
5 h 02 min
